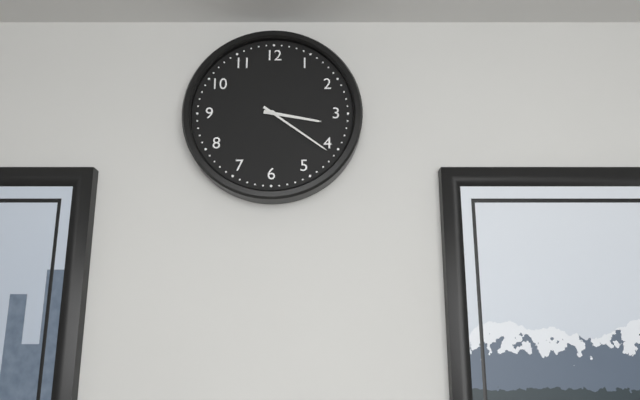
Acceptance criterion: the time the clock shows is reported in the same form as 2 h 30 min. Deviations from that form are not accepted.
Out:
3 h 21 min
